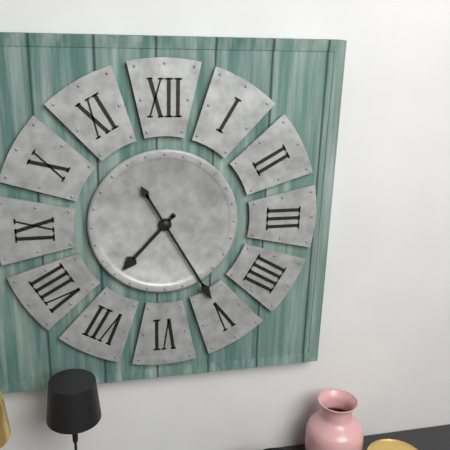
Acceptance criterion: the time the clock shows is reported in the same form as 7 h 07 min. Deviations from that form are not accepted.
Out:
7 h 25 min
